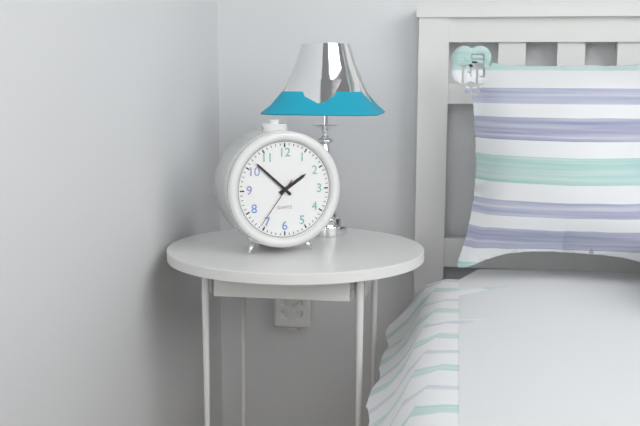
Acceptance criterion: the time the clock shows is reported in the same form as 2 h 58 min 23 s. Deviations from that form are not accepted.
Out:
1 h 52 min 36 s
